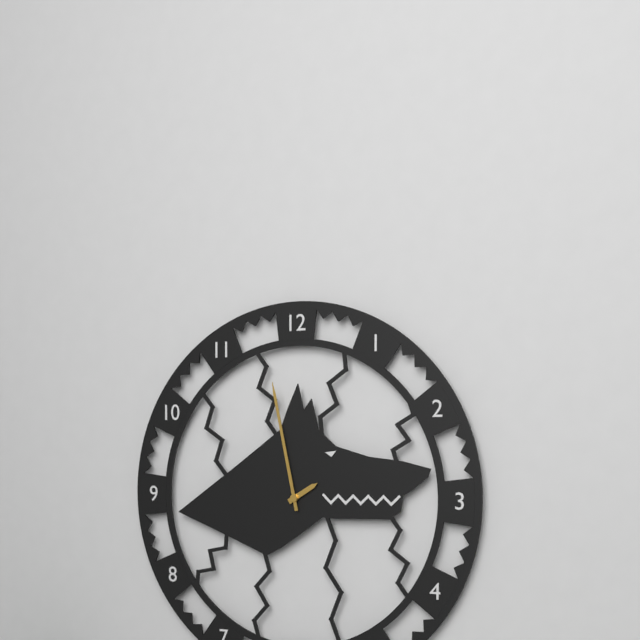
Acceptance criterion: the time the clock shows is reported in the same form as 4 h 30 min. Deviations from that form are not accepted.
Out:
1 h 58 min
